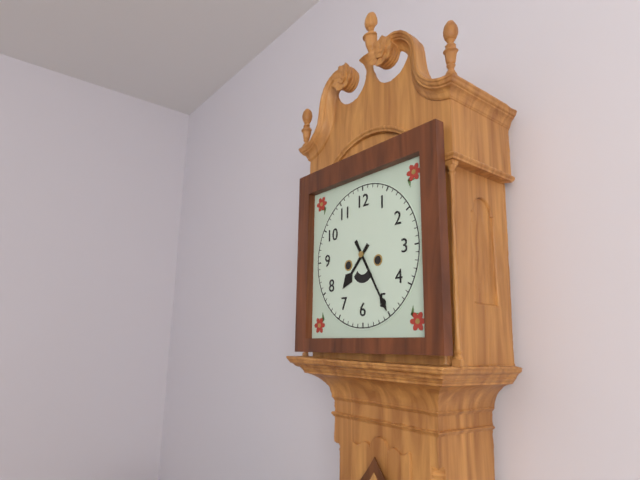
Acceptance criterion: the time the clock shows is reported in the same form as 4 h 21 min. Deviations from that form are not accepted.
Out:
7 h 25 min
